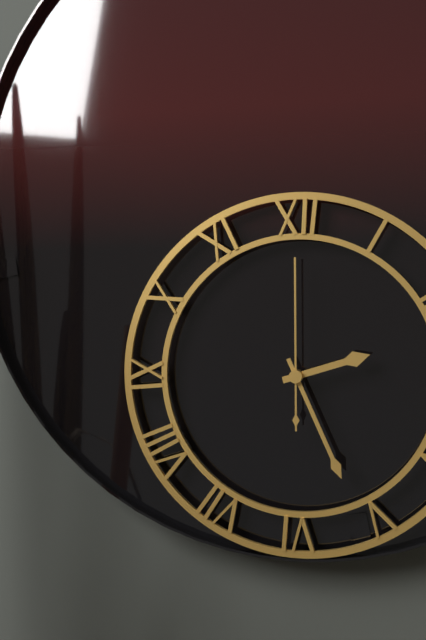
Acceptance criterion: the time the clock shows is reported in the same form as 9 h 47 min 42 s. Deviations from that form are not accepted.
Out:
2 h 26 min 00 s
